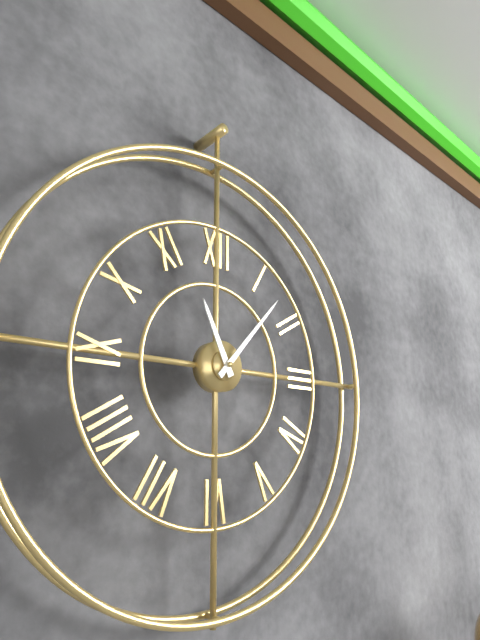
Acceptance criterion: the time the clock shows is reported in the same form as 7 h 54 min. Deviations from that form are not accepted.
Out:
11 h 07 min
